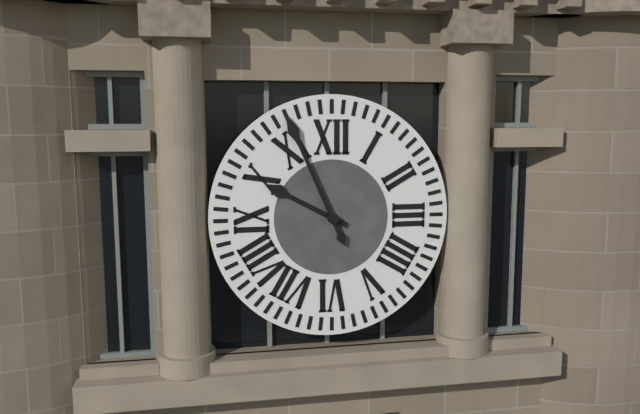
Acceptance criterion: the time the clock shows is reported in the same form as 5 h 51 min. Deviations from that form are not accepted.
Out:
9 h 56 min
